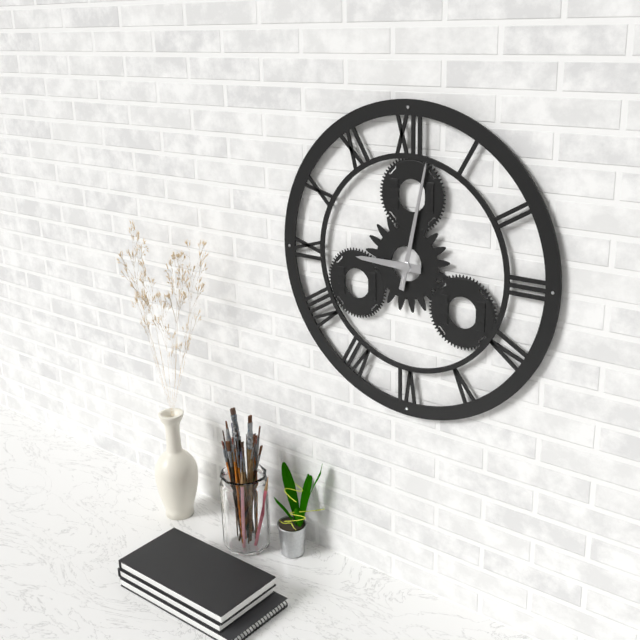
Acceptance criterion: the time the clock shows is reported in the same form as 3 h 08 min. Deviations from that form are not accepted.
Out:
9 h 02 min
